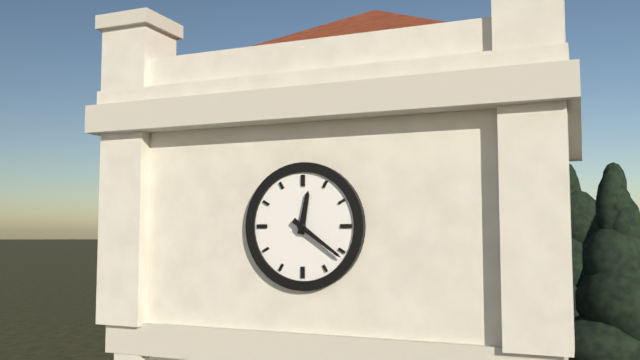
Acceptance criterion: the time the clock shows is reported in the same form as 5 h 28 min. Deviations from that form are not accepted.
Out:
12 h 21 min
